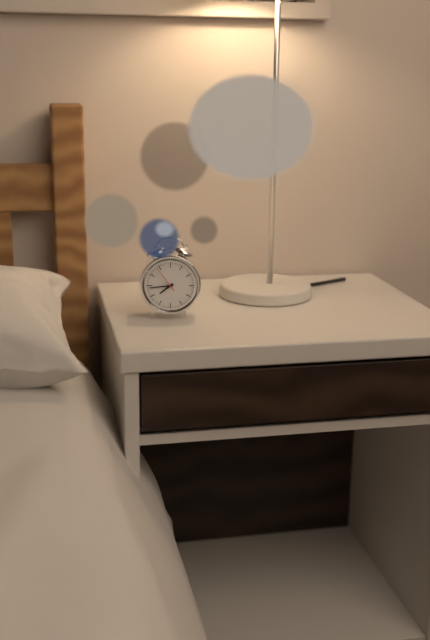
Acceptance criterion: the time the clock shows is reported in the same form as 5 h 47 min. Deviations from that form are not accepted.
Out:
7 h 44 min
